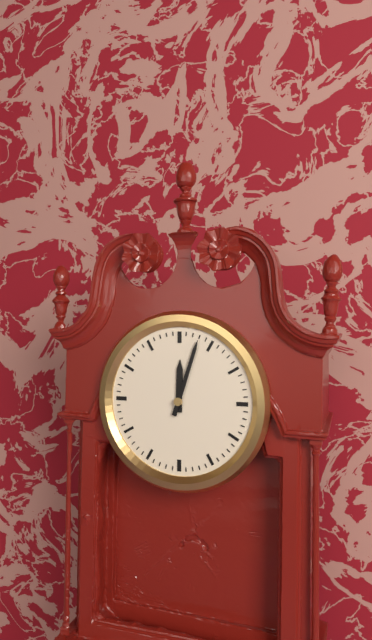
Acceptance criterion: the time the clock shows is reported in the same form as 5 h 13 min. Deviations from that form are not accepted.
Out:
12 h 03 min
